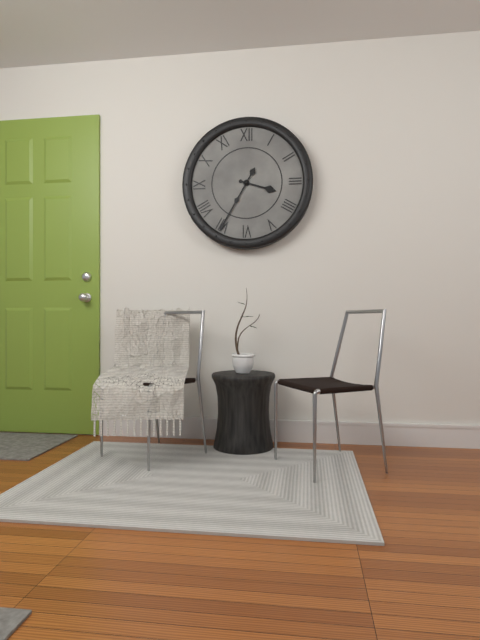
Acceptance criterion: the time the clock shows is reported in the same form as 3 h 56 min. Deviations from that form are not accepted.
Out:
3 h 35 min
